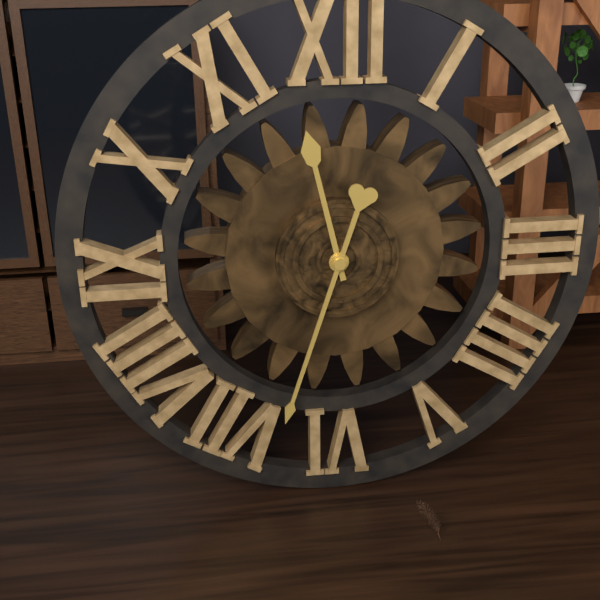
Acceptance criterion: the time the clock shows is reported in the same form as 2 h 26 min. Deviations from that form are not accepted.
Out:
11 h 33 min
